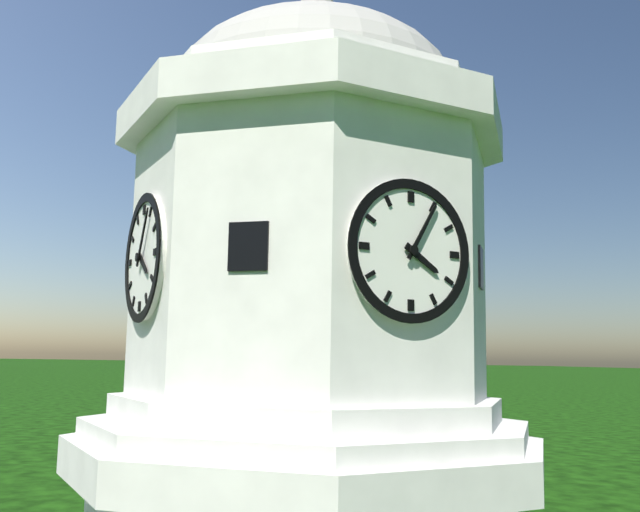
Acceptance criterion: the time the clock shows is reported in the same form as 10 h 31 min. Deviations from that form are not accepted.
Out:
4 h 05 min
